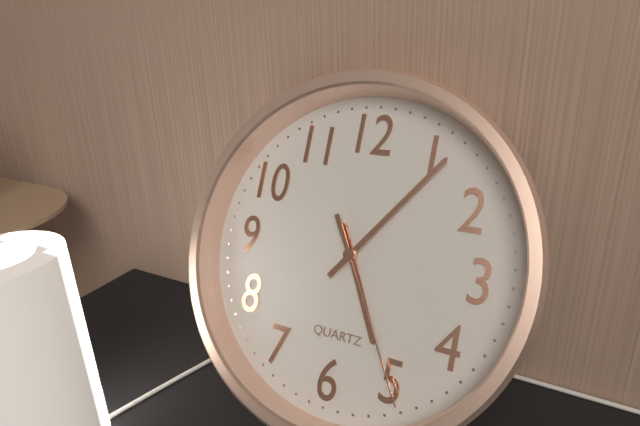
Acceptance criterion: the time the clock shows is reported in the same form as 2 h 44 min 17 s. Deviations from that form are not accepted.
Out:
5 h 06 min 25 s
